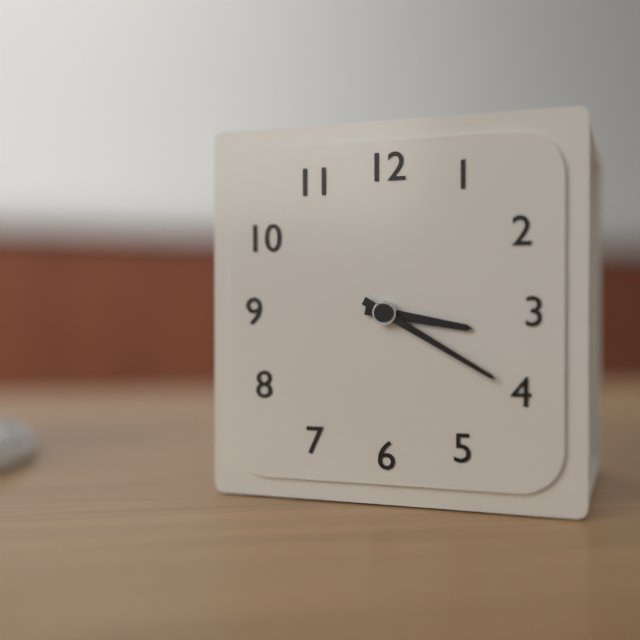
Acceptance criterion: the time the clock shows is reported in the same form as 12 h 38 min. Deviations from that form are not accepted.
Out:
3 h 20 min
